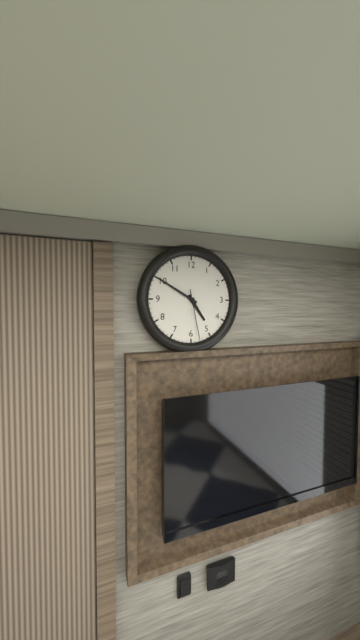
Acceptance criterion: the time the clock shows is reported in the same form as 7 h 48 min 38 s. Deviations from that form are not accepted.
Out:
4 h 50 min 28 s
